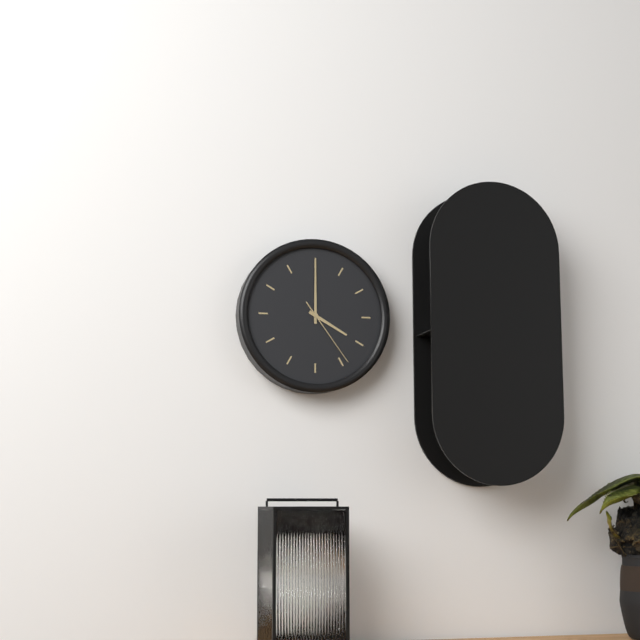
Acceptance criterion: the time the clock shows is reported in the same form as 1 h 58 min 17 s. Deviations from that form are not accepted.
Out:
4 h 00 min 24 s
